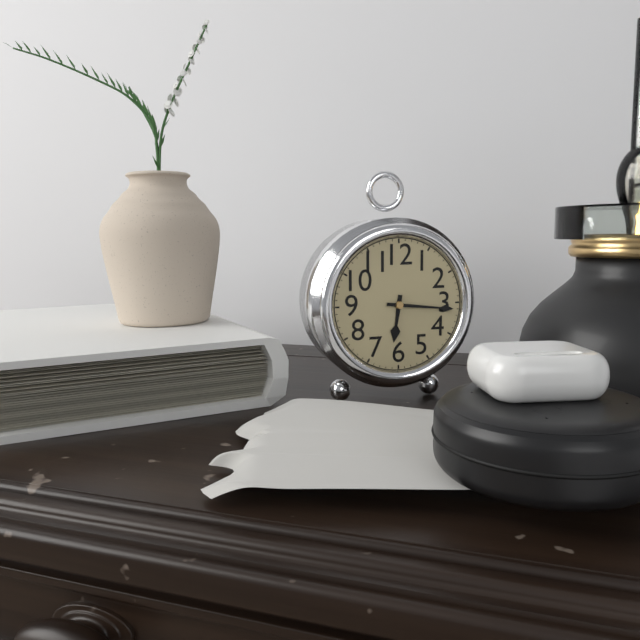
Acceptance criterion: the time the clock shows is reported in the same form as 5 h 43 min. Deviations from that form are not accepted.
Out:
6 h 16 min
